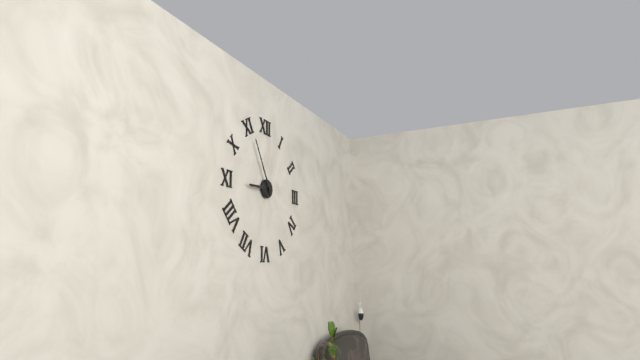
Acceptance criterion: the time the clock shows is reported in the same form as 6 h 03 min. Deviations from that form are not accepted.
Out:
8 h 55 min
